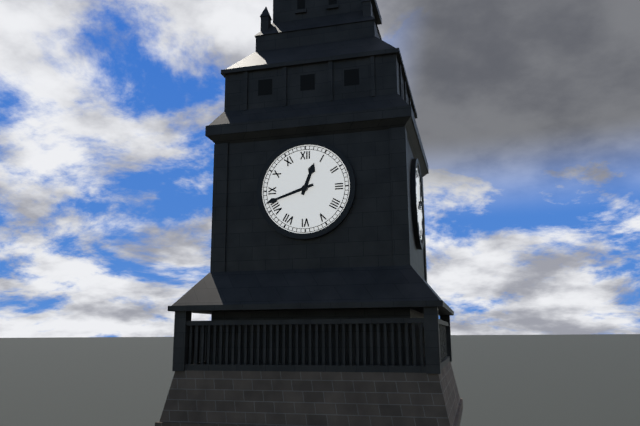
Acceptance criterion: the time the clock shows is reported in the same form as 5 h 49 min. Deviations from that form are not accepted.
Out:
12 h 42 min
